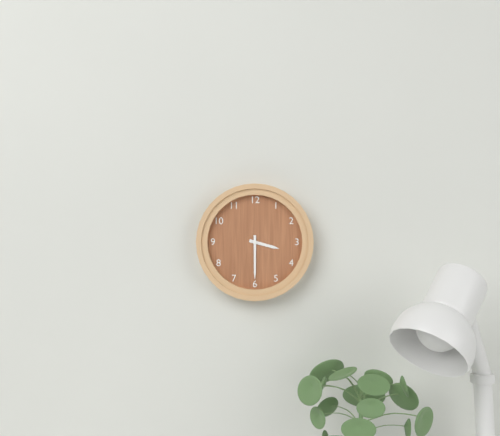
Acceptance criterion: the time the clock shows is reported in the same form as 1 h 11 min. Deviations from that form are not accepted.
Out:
3 h 30 min
